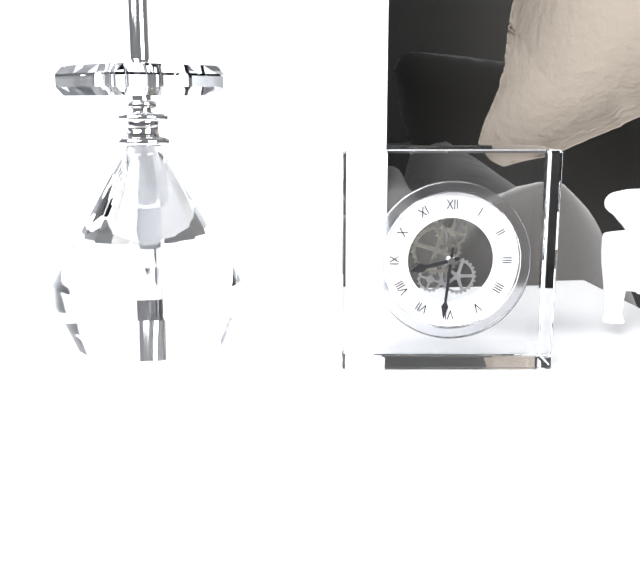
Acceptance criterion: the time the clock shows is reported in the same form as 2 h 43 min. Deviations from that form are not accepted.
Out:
8 h 31 min
